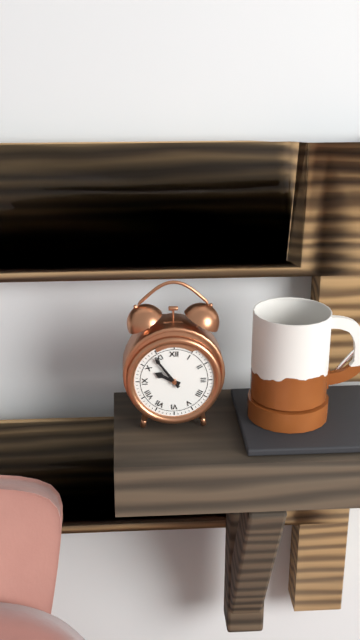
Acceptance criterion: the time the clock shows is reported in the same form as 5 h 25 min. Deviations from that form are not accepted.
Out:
9 h 54 min
